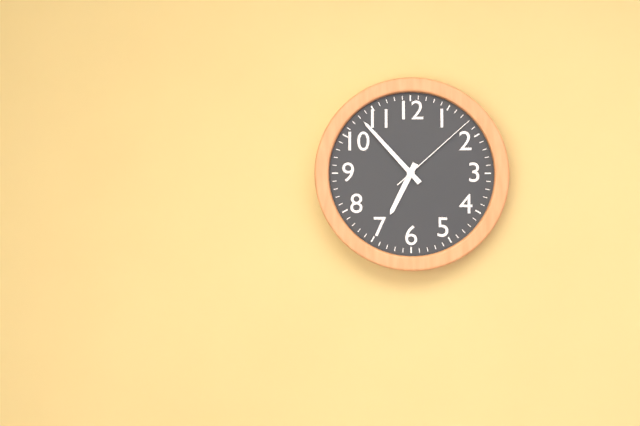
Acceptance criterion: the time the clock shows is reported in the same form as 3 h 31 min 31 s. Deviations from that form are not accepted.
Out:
6 h 53 min 08 s
